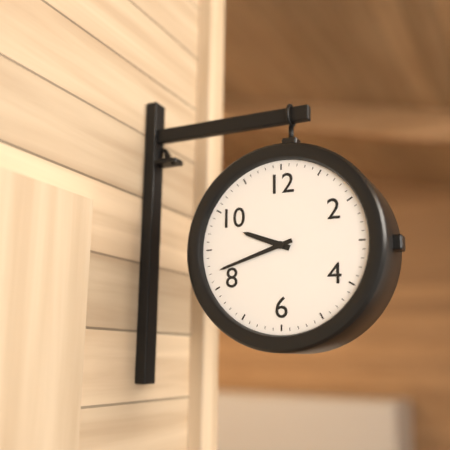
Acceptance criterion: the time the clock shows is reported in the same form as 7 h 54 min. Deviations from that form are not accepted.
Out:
9 h 42 min
